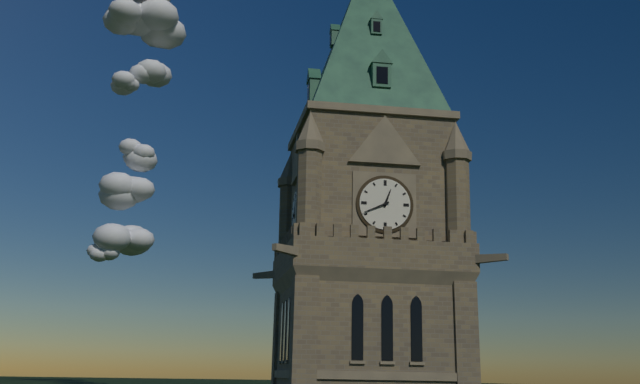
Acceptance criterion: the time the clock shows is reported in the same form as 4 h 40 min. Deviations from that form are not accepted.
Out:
12 h 41 min
